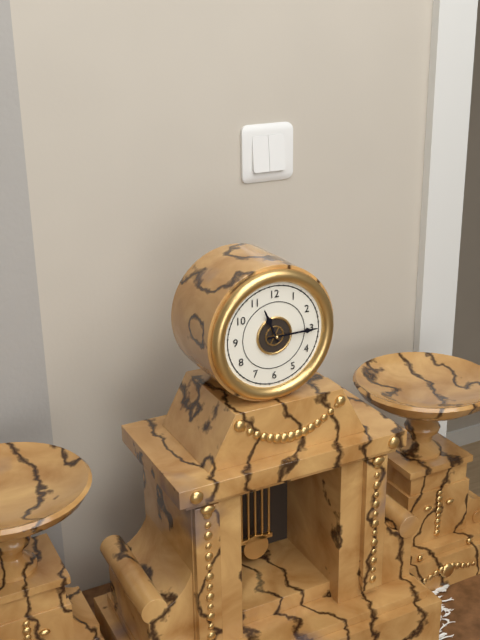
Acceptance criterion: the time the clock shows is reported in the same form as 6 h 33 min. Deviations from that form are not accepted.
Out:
11 h 15 min
